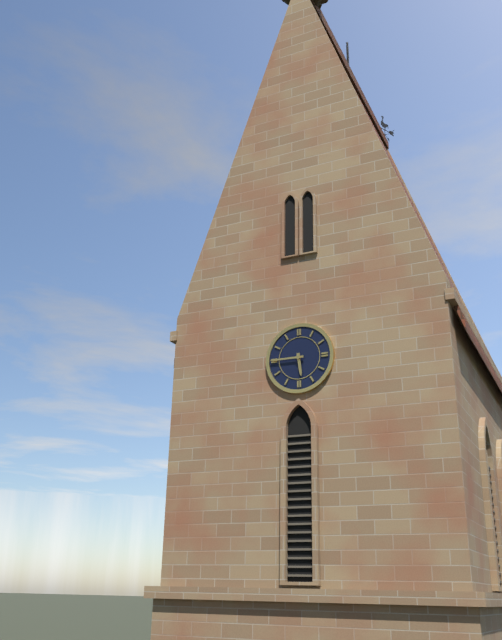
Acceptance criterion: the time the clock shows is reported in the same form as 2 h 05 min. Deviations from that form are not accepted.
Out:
5 h 45 min
